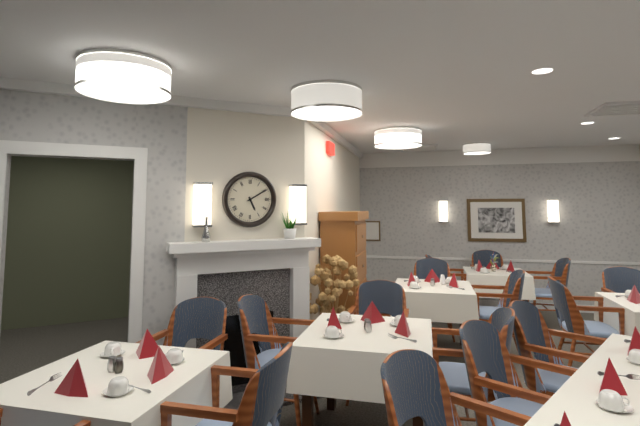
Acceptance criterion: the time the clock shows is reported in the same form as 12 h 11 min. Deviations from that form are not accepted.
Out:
5 h 10 min
